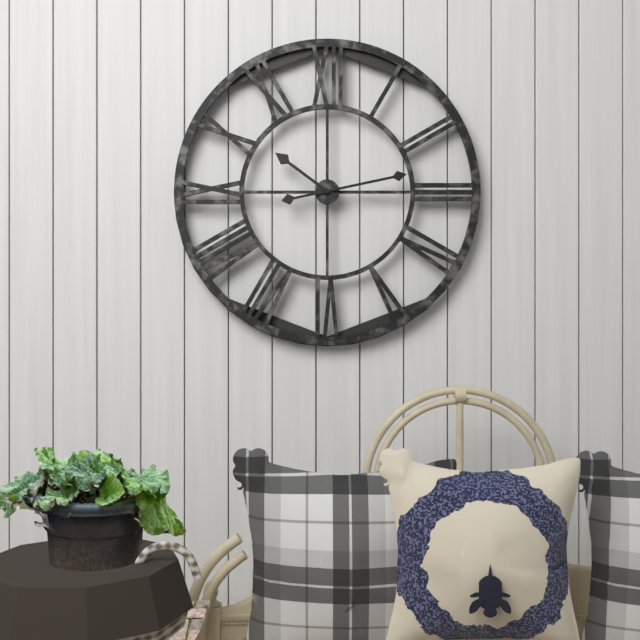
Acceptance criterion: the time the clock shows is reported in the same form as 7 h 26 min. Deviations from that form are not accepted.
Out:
10 h 13 min
